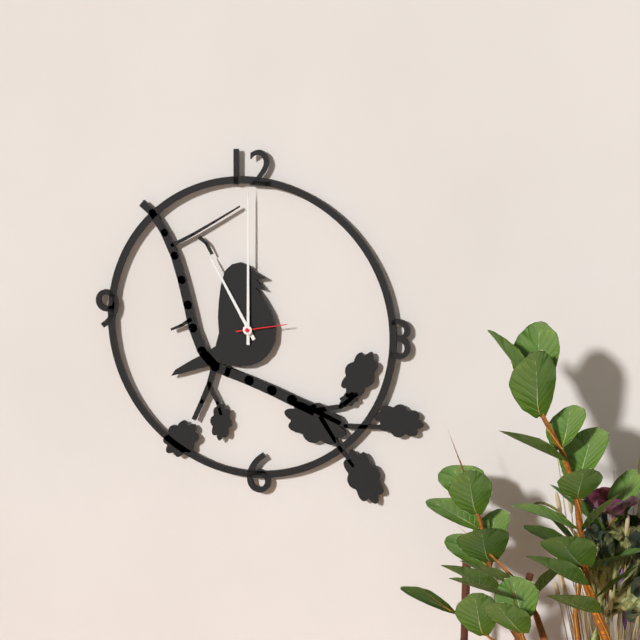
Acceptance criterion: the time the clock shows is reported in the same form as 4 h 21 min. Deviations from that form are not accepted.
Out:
11 h 00 min
